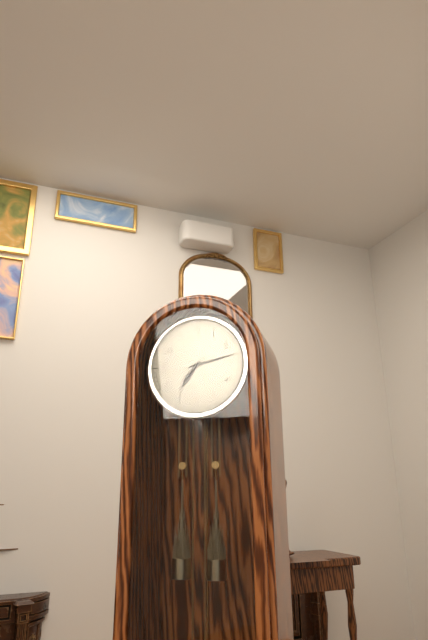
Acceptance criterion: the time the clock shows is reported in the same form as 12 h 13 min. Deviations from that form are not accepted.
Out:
7 h 13 min
